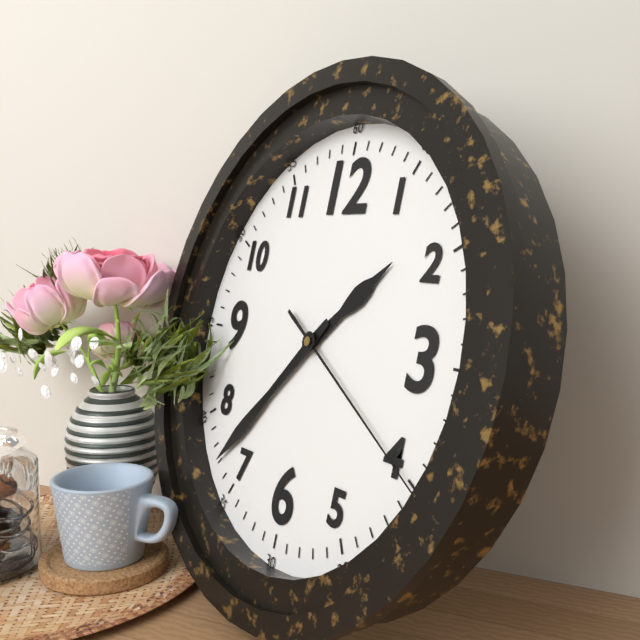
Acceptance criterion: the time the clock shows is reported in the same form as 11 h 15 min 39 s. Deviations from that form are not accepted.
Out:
1 h 37 min 20 s
